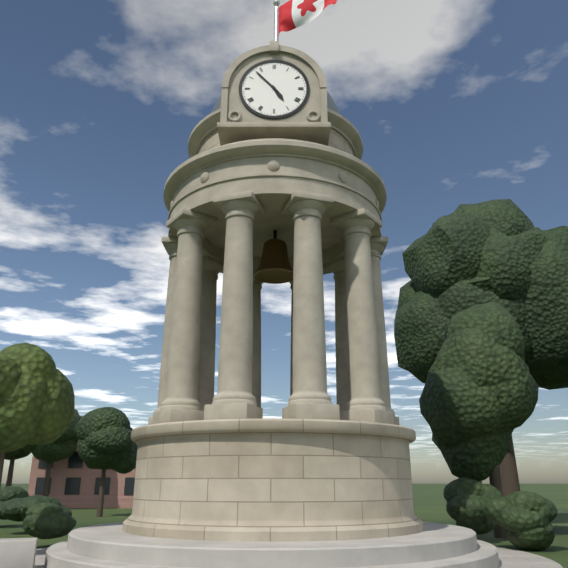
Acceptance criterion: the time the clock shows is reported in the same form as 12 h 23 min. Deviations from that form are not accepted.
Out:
4 h 53 min
